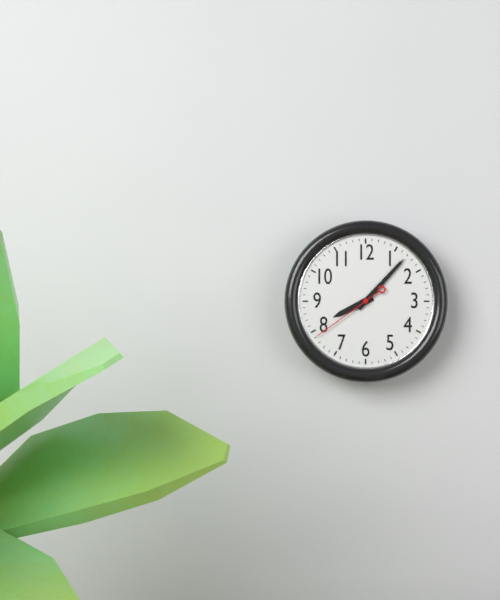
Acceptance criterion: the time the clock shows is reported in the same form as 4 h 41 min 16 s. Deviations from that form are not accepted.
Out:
8 h 07 min 39 s
